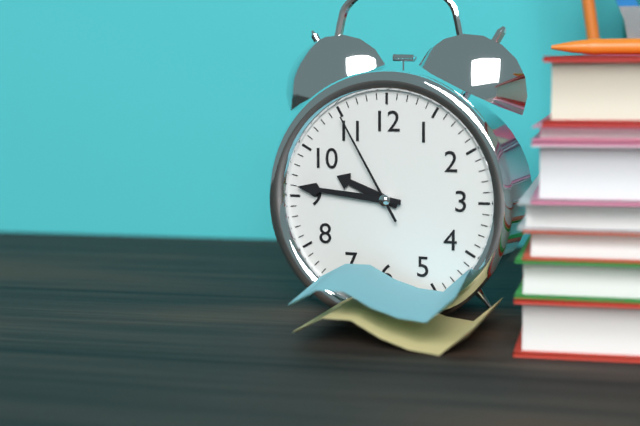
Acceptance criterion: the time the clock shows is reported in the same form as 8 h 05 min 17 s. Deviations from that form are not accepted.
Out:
9 h 46 min 55 s
